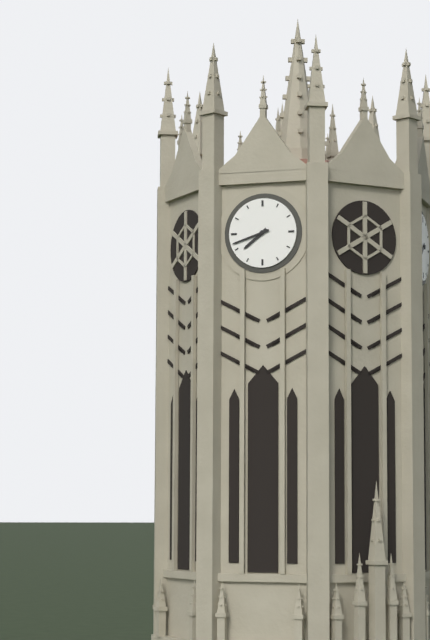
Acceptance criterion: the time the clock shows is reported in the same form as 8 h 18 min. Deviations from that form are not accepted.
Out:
7 h 42 min
